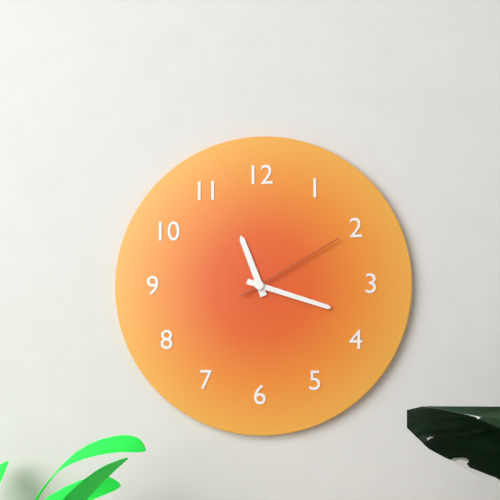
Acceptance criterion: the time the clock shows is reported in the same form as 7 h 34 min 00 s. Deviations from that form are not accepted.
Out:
11 h 18 min 10 s
